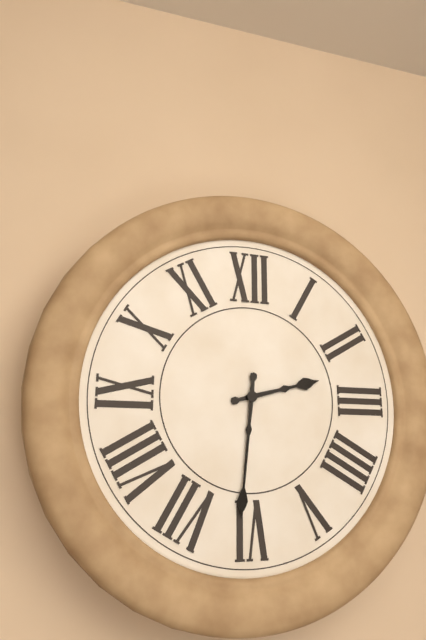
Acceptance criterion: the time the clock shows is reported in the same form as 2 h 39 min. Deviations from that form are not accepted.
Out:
2 h 31 min
